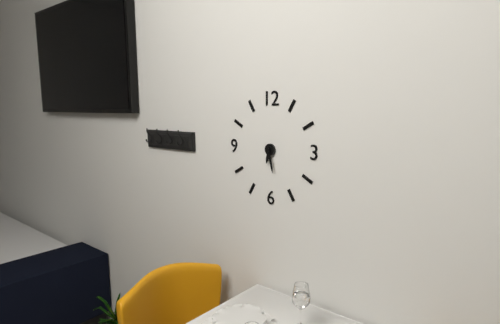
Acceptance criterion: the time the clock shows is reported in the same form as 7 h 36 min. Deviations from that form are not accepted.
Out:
6 h 28 min
